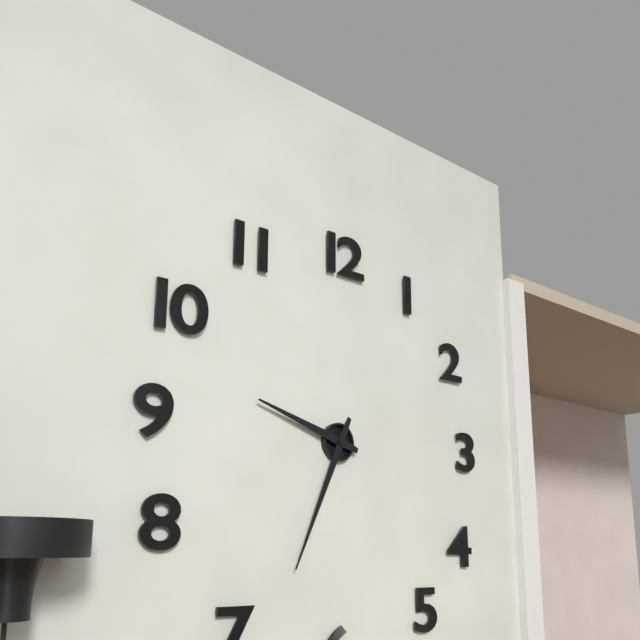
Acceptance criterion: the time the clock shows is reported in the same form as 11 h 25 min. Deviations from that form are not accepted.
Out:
9 h 34 min
